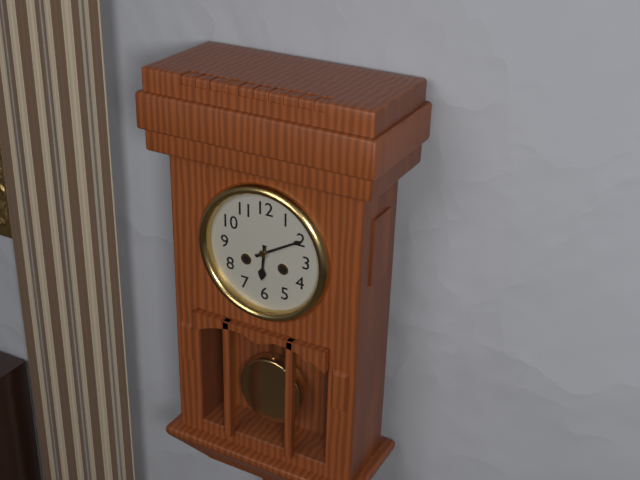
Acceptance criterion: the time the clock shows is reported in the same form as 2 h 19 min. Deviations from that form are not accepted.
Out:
6 h 10 min
